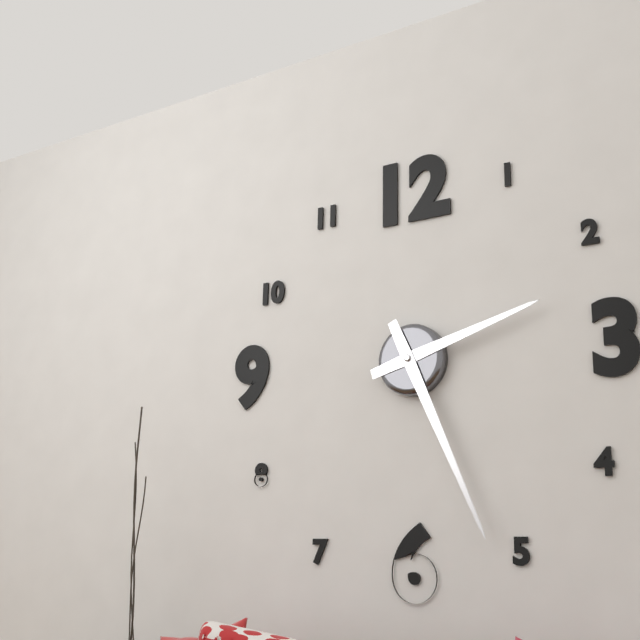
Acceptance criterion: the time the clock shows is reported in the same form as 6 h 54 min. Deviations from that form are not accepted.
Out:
2 h 26 min
